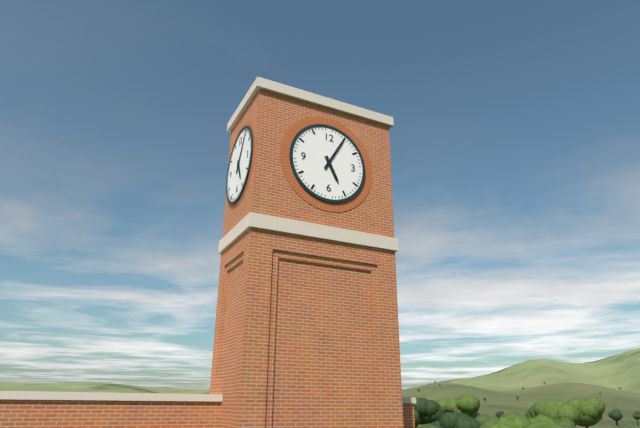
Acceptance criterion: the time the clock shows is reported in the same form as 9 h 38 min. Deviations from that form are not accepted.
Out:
5 h 05 min
